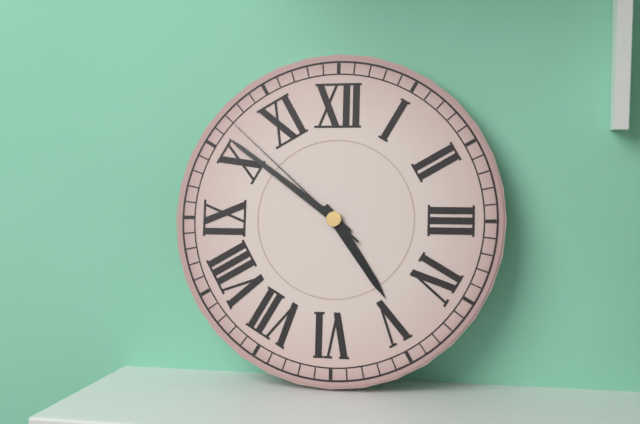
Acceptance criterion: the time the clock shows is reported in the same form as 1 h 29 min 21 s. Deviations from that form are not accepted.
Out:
4 h 51 min 52 s
